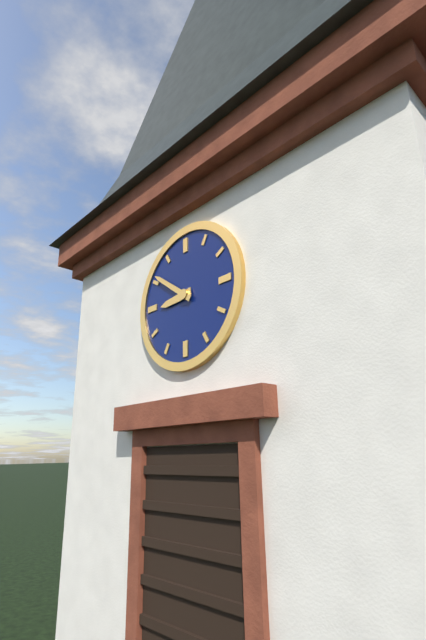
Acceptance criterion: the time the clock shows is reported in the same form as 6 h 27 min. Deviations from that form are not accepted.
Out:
8 h 51 min
